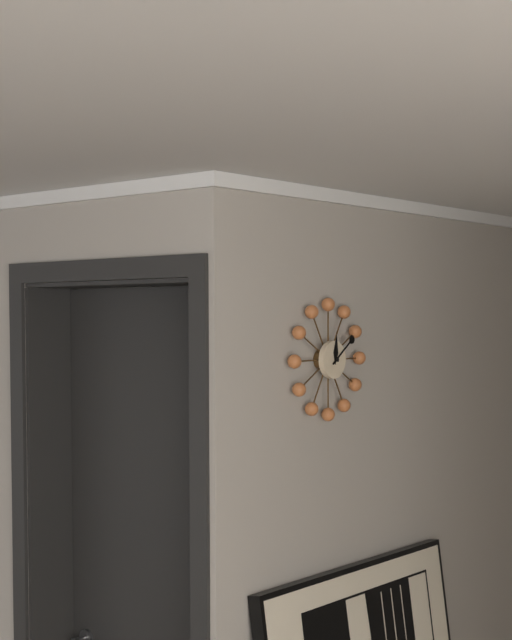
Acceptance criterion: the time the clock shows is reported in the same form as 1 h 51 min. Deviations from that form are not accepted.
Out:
12 h 09 min
